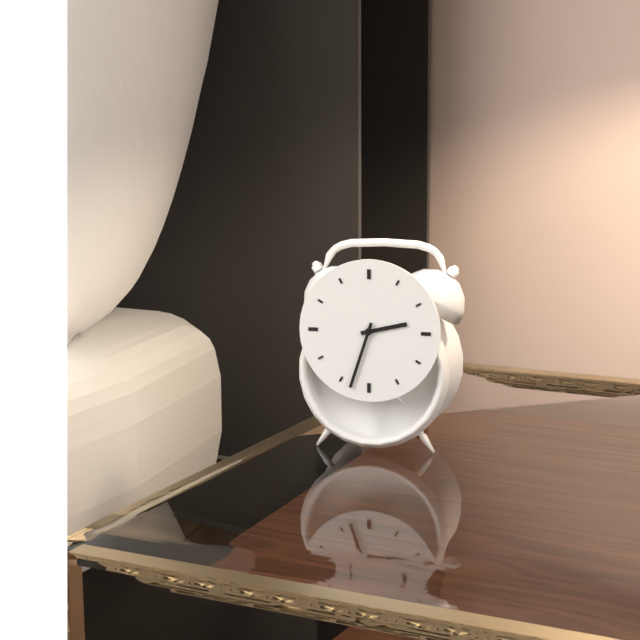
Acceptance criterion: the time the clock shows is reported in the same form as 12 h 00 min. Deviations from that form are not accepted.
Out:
2 h 33 min
